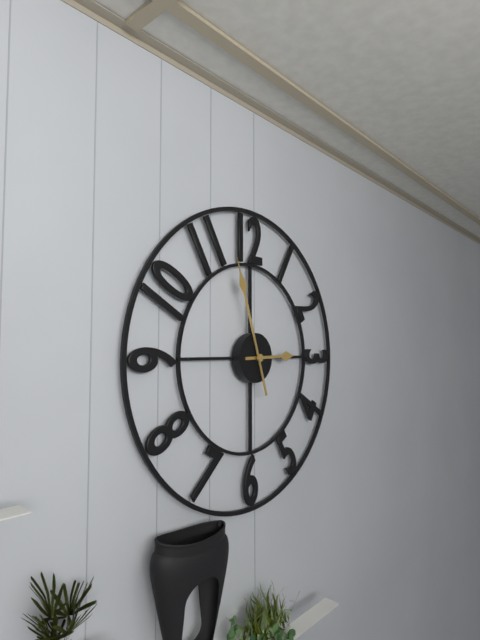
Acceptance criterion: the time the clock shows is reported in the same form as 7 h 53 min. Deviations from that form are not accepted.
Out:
2 h 57 min
